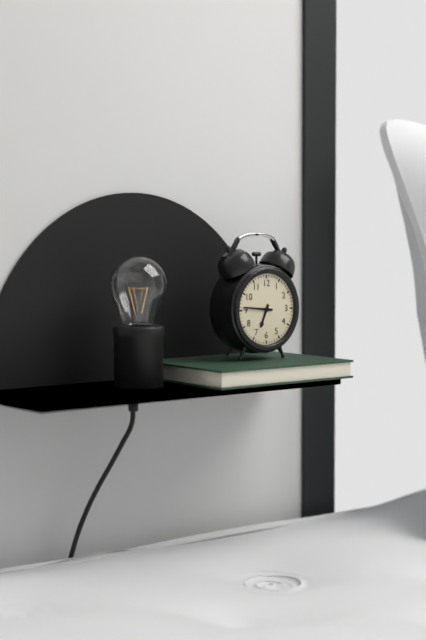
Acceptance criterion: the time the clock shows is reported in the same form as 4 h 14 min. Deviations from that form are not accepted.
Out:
6 h 46 min
